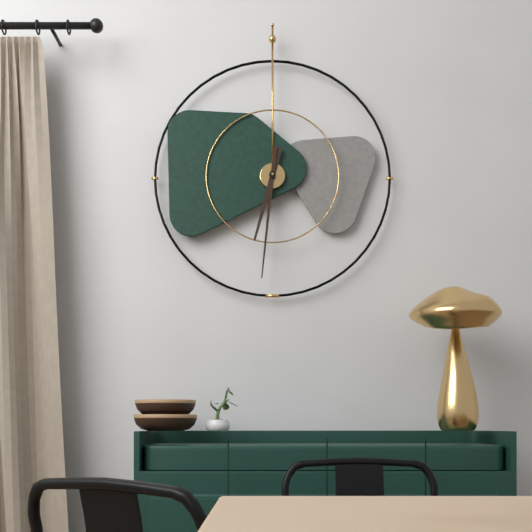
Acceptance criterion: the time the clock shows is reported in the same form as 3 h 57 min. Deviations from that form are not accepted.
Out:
6 h 31 min
